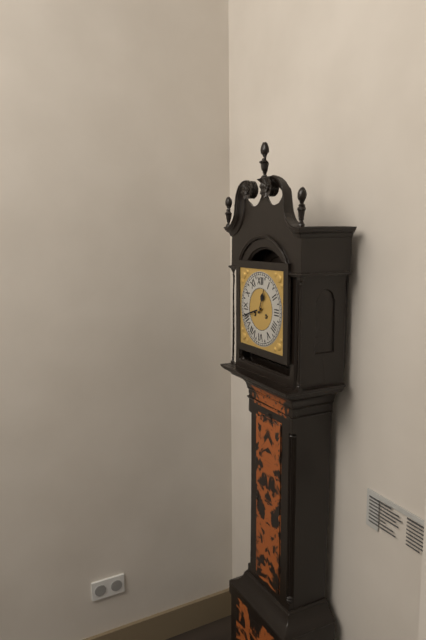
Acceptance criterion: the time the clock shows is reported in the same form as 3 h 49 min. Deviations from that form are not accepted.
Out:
12 h 42 min
